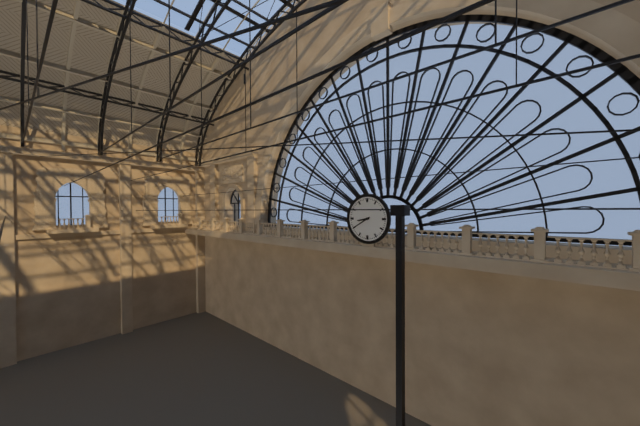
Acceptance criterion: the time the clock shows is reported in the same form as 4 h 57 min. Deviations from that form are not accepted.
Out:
8 h 40 min
